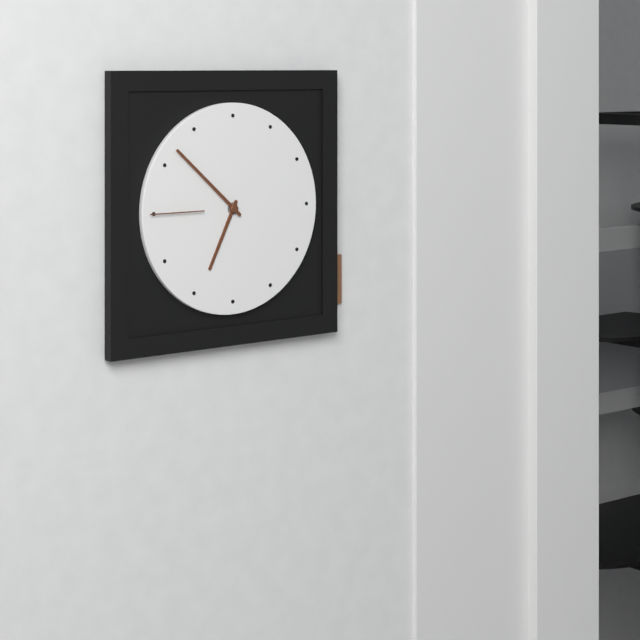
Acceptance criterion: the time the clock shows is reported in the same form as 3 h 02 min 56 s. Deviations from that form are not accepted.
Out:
6 h 52 min 45 s
